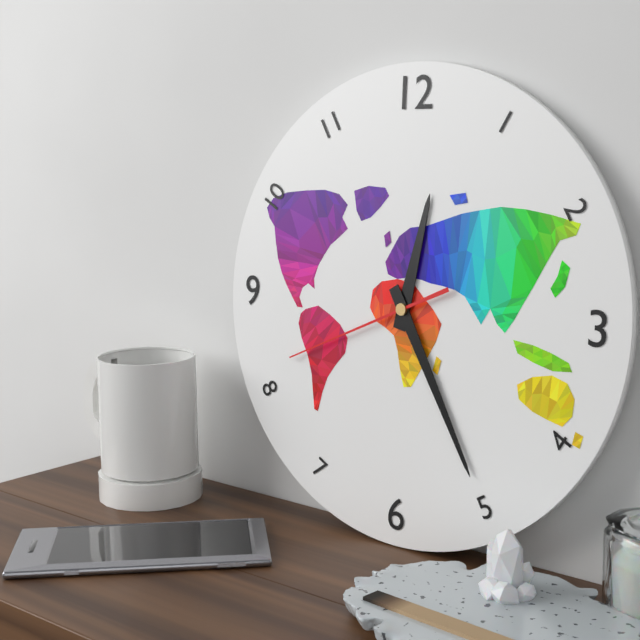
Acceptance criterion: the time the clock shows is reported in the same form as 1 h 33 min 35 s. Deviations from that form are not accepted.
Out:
12 h 25 min 41 s
